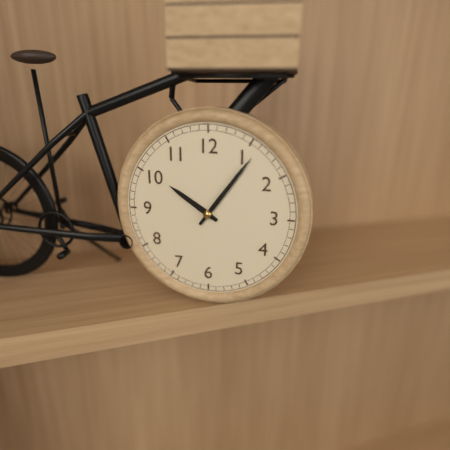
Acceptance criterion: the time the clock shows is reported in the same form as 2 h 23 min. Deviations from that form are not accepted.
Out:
10 h 06 min
